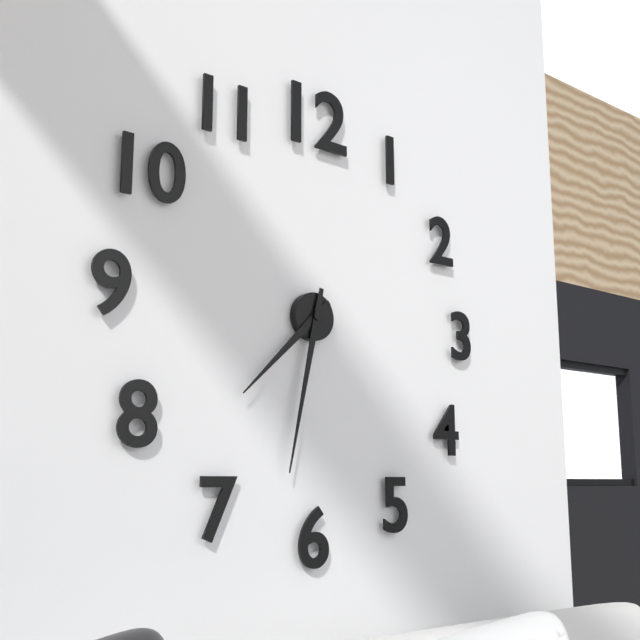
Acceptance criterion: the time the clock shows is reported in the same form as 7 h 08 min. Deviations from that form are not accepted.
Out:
7 h 32 min
